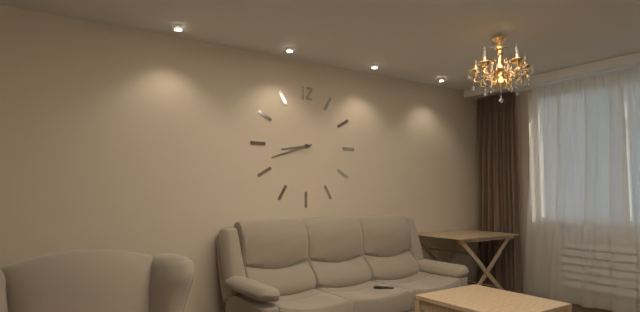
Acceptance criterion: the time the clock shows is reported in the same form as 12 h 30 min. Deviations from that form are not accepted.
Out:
8 h 42 min
